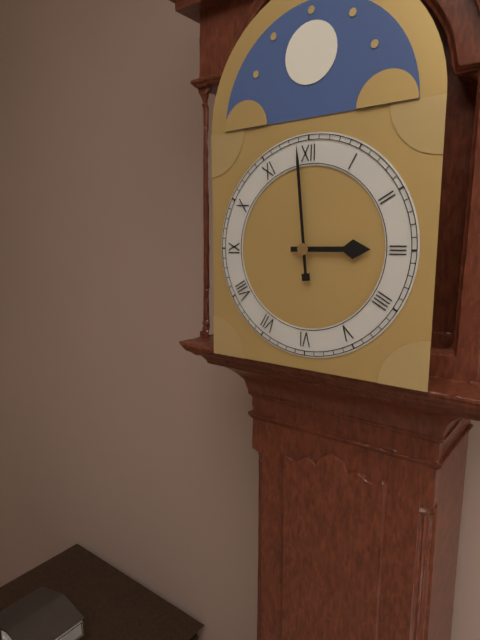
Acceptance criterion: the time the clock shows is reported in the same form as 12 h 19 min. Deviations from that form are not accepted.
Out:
2 h 59 min
